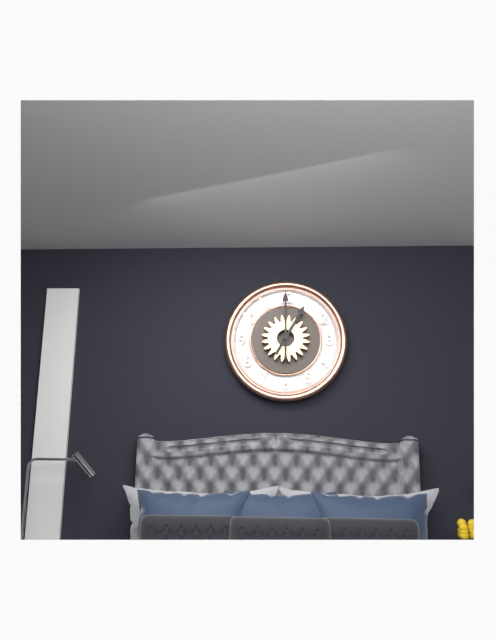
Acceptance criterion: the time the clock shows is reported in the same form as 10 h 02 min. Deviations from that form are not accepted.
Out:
1 h 00 min
